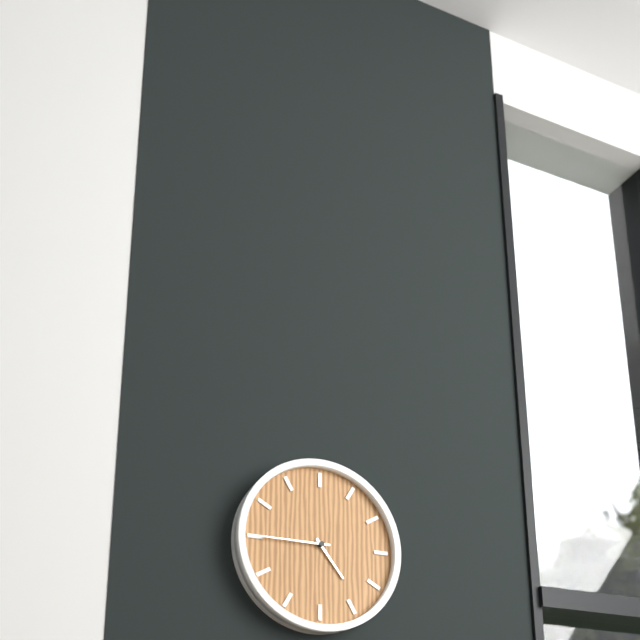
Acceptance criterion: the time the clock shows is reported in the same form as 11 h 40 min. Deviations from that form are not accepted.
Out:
4 h 45 min
